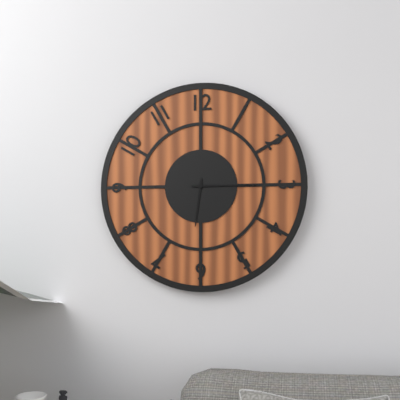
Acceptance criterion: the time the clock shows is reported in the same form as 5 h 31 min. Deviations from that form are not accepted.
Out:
6 h 15 min
